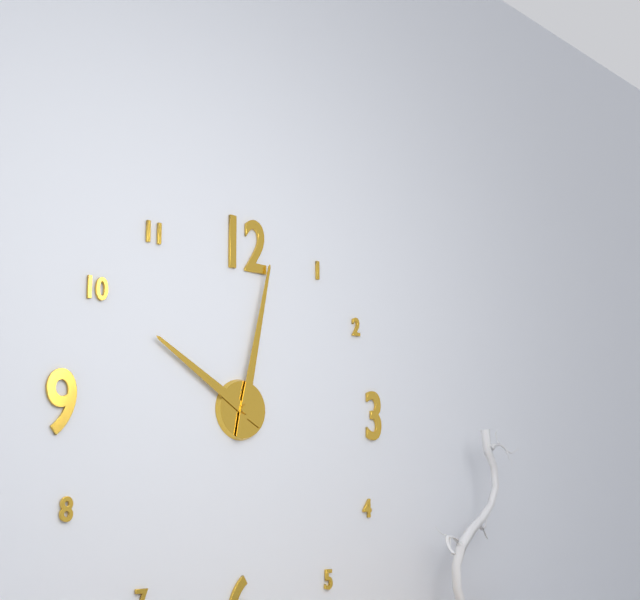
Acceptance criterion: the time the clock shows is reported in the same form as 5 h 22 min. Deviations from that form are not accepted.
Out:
10 h 02 min
